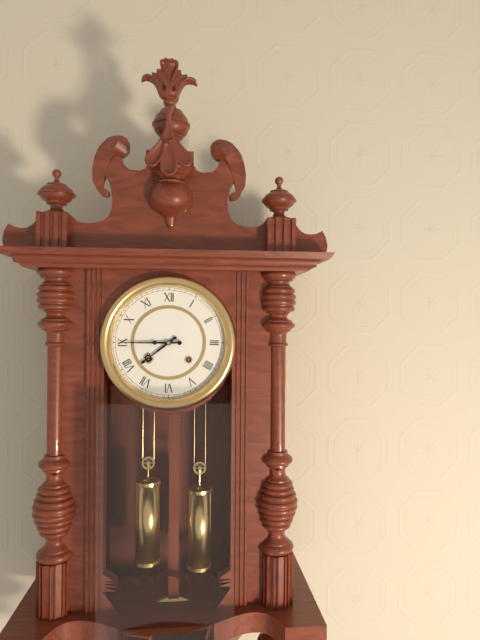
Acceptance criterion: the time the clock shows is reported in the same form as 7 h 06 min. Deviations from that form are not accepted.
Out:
7 h 45 min
